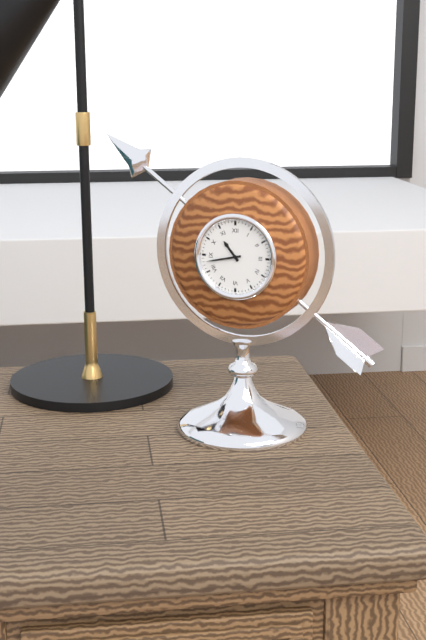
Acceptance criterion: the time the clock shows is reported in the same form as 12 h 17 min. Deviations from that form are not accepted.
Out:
10 h 43 min
